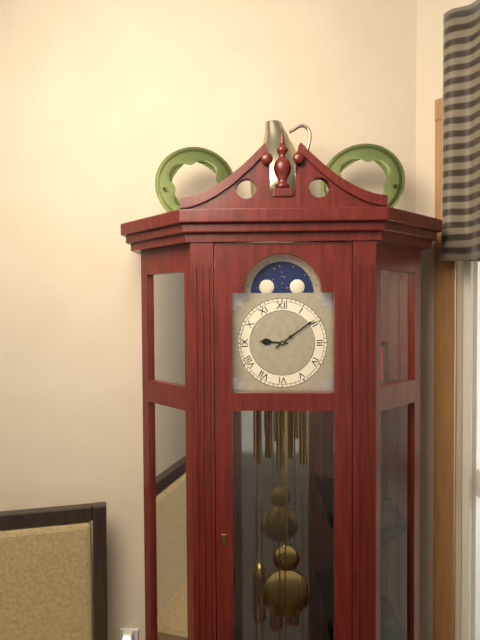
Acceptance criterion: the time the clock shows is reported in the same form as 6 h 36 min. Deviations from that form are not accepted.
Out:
9 h 09 min
